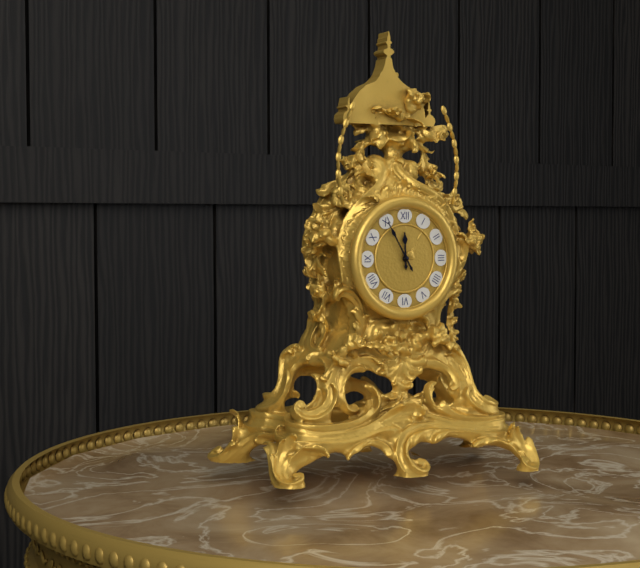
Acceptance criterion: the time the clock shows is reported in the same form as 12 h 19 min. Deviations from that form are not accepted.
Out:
11 h 55 min
